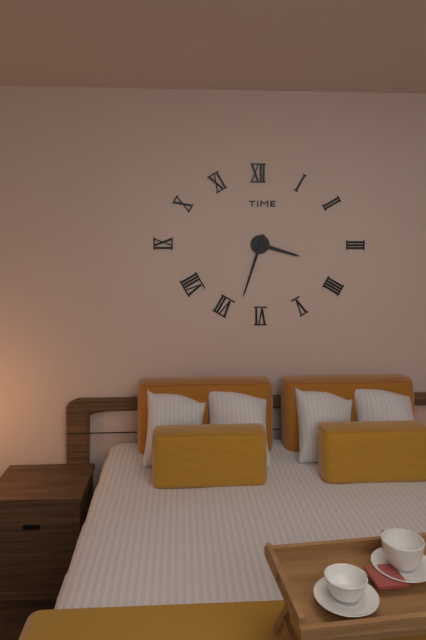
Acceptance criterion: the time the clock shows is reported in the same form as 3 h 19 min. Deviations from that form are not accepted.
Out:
3 h 33 min
